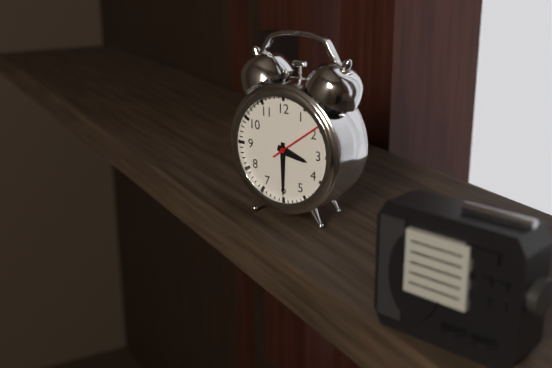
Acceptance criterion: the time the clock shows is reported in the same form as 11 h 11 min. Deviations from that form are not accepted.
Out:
3 h 30 min
